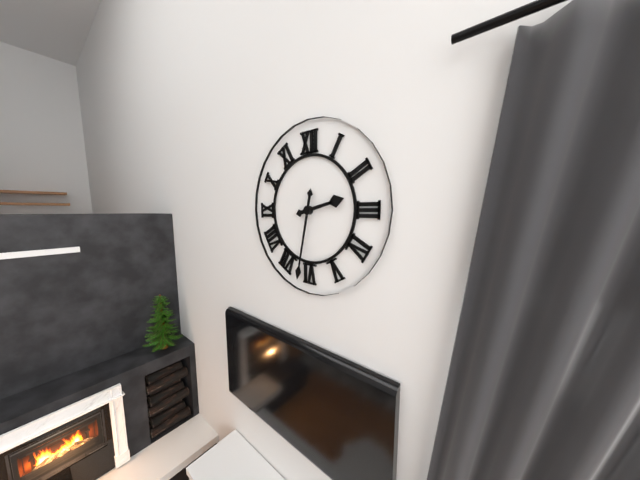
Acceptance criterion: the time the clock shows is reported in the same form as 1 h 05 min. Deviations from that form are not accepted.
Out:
2 h 32 min
